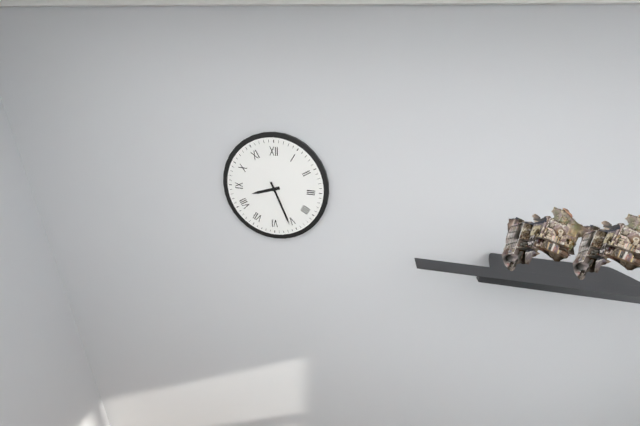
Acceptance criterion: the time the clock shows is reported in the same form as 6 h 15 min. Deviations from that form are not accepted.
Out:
8 h 26 min
